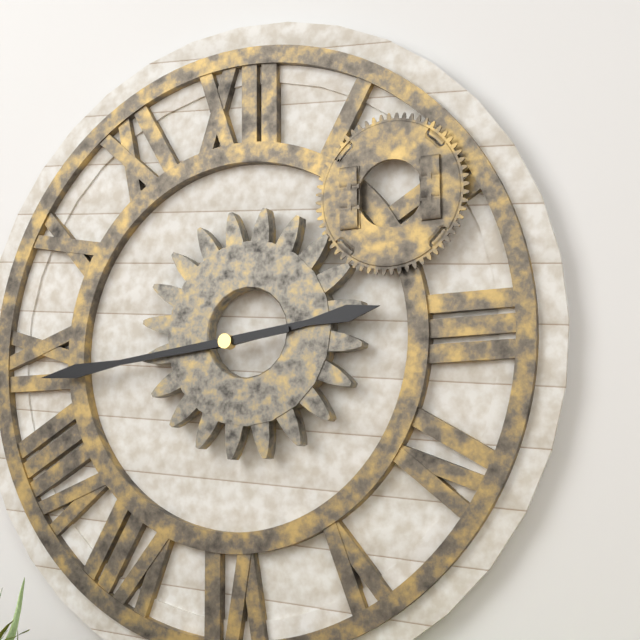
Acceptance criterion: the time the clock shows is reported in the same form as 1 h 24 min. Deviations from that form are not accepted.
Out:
2 h 44 min
